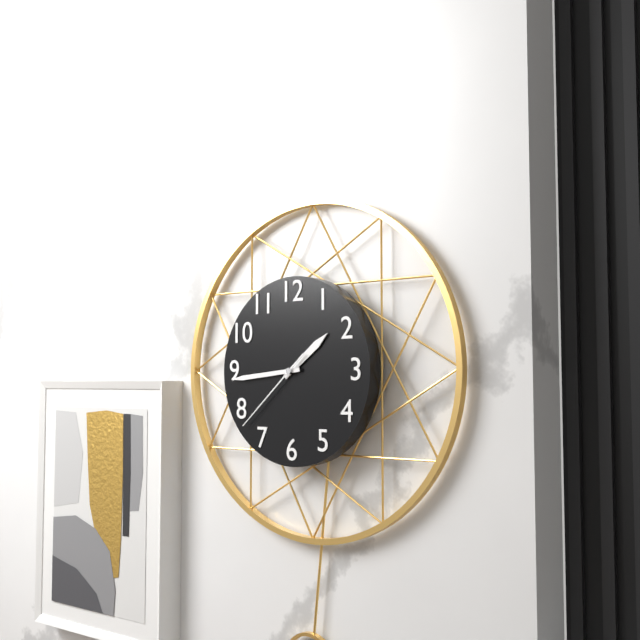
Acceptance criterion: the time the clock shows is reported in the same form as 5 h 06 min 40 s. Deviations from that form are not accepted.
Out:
1 h 44 min 38 s
